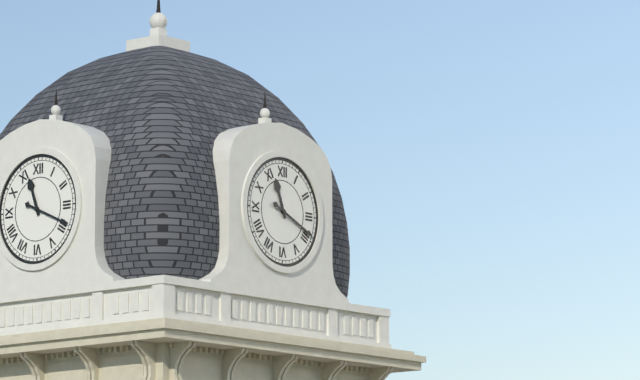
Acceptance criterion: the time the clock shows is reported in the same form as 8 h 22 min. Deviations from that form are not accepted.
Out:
11 h 19 min
